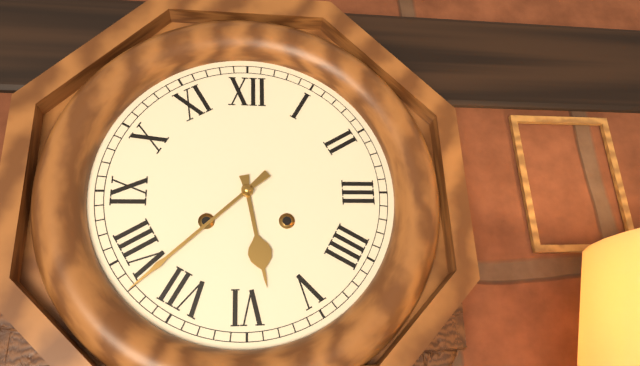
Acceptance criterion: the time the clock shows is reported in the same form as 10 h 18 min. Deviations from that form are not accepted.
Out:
5 h 38 min
